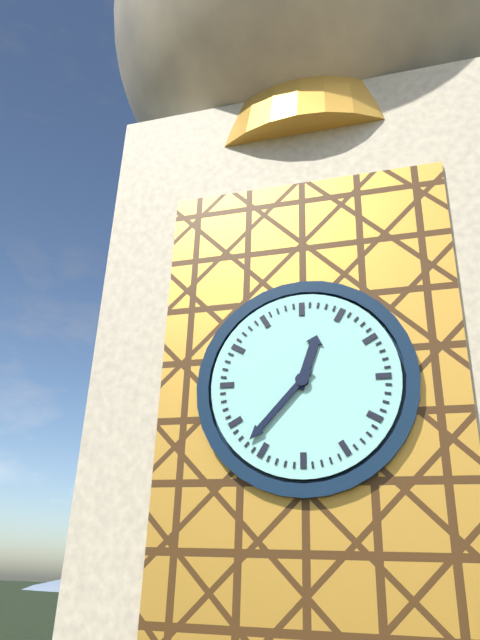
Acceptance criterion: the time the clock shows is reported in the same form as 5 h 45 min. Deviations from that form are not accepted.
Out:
12 h 37 min
